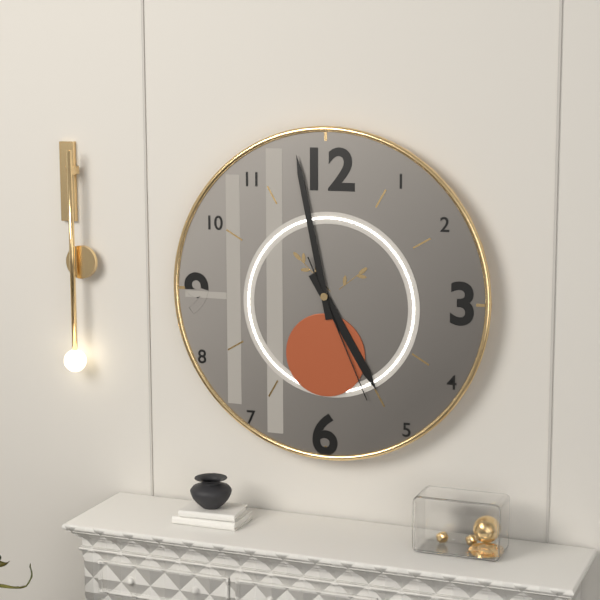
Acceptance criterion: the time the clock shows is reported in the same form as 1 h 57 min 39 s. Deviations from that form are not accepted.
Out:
4 h 58 min 26 s
